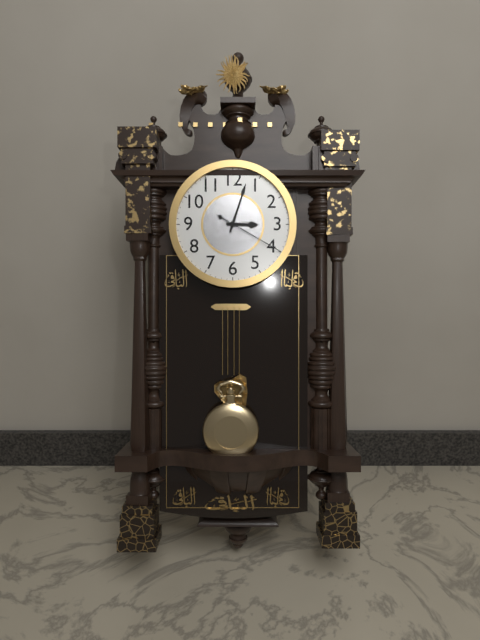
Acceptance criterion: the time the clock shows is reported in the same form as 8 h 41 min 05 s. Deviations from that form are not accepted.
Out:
3 h 03 min 20 s
